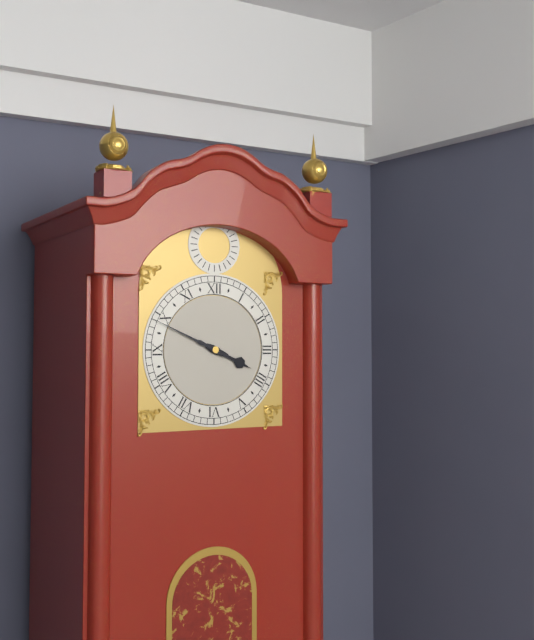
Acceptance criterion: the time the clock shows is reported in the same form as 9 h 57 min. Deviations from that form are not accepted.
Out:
3 h 49 min
